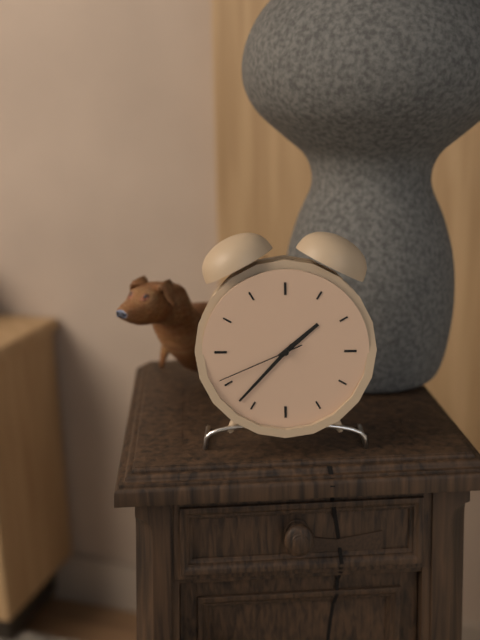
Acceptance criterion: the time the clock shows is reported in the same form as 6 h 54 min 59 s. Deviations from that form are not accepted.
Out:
1 h 37 min 41 s
